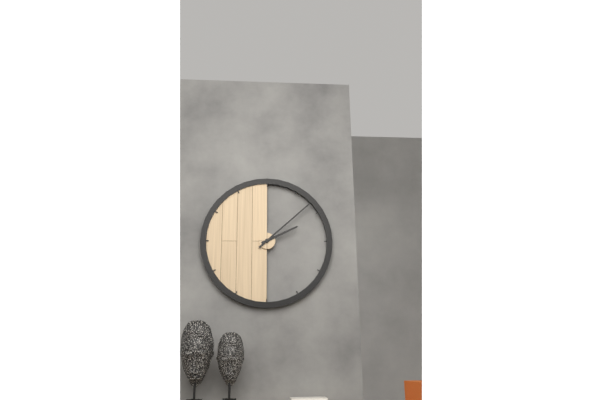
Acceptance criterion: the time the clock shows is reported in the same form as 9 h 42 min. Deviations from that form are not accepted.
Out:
2 h 08 min
